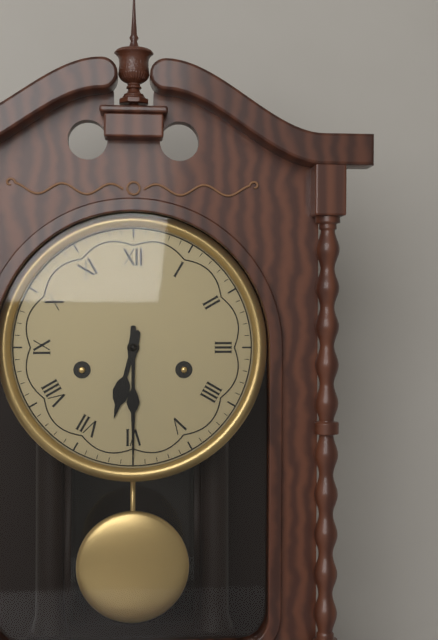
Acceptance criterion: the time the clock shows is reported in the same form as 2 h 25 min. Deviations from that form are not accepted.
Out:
6 h 30 min
